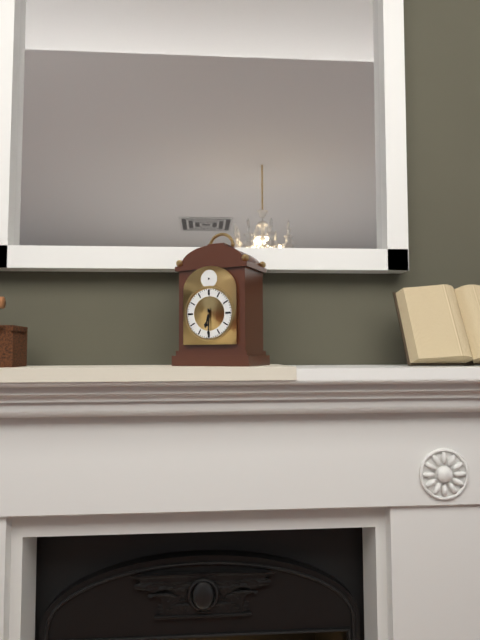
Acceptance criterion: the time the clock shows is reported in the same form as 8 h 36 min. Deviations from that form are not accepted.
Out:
6 h 30 min
